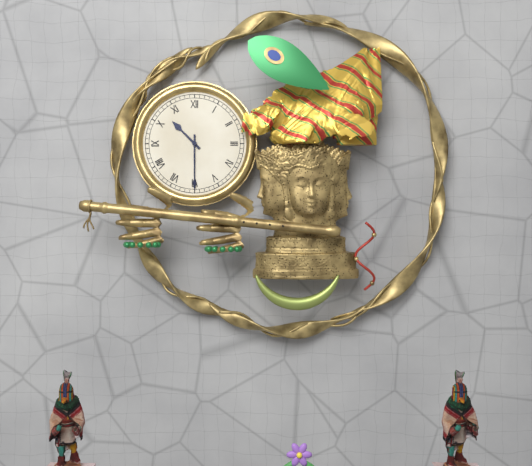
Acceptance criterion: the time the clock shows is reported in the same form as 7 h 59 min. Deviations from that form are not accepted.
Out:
10 h 30 min
